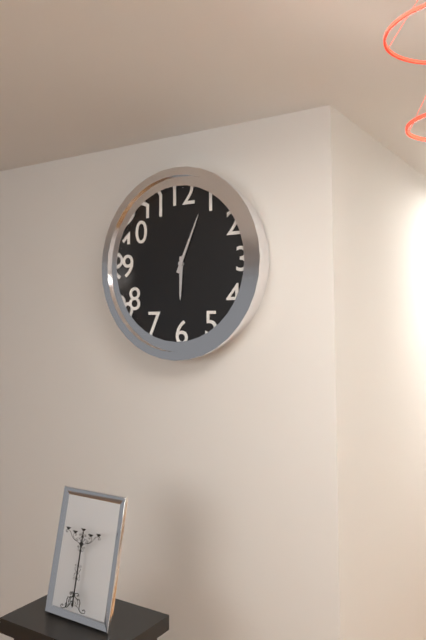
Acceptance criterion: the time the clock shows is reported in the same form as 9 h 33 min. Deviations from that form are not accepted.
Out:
6 h 04 min
